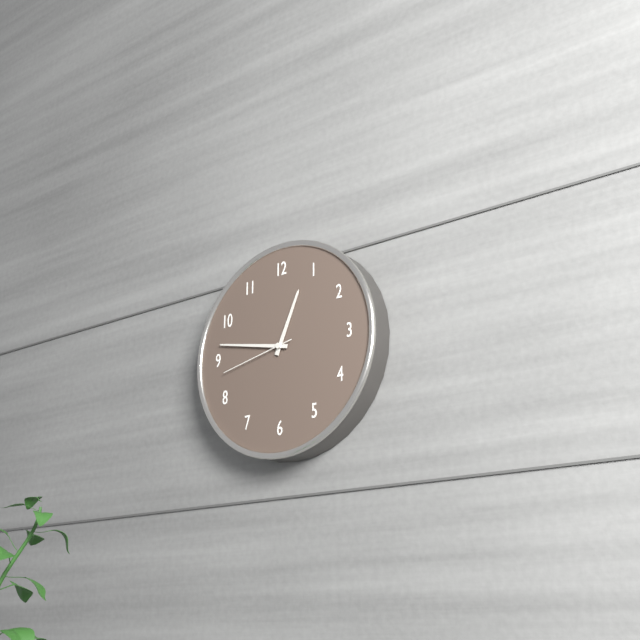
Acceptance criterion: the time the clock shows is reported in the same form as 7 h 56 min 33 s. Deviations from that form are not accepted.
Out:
12 h 47 min 43 s
